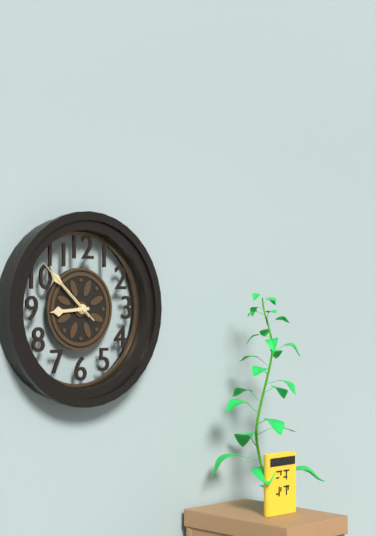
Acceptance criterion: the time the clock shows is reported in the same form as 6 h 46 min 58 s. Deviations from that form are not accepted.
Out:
8 h 52 min 52 s
